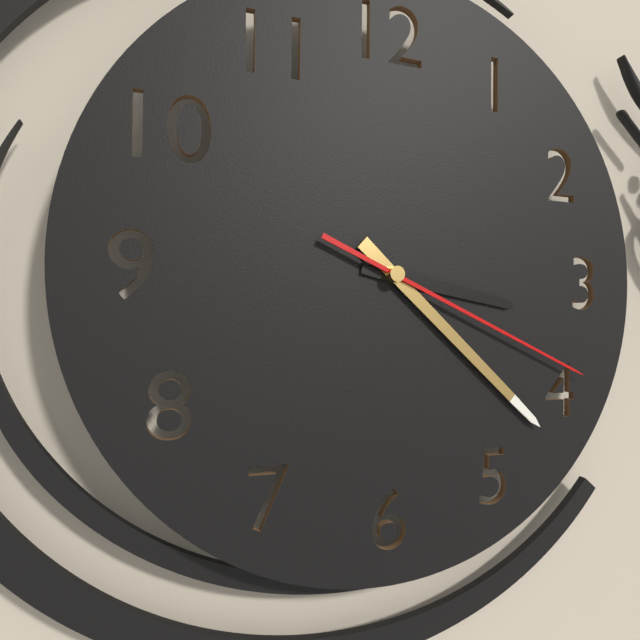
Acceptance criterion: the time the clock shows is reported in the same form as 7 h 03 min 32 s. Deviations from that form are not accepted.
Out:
3 h 22 min 19 s
